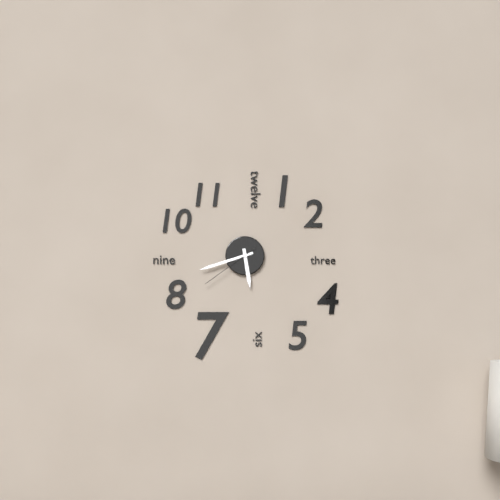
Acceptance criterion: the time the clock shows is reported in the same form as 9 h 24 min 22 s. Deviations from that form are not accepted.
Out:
5 h 42 min 39 s
